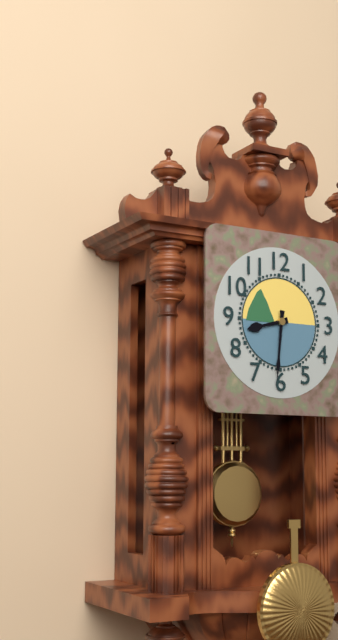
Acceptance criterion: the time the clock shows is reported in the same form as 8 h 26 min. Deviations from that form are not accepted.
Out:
8 h 31 min
